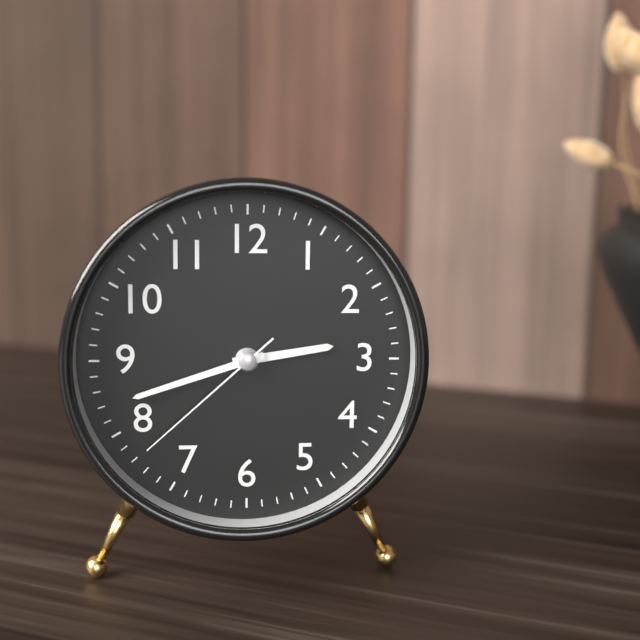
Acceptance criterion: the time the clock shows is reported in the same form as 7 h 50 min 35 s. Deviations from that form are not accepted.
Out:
2 h 42 min 38 s
